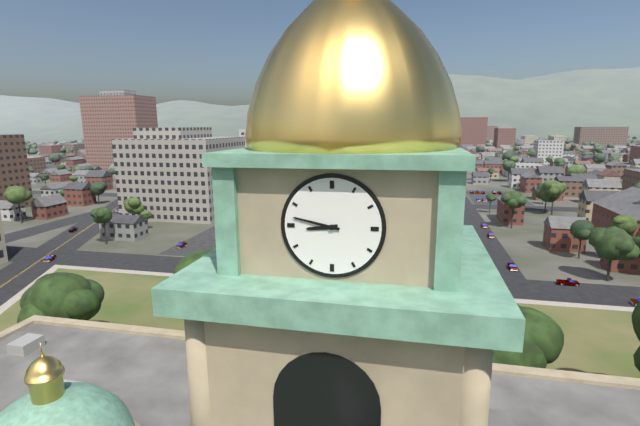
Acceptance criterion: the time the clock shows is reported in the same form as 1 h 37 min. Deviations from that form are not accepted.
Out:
8 h 47 min
